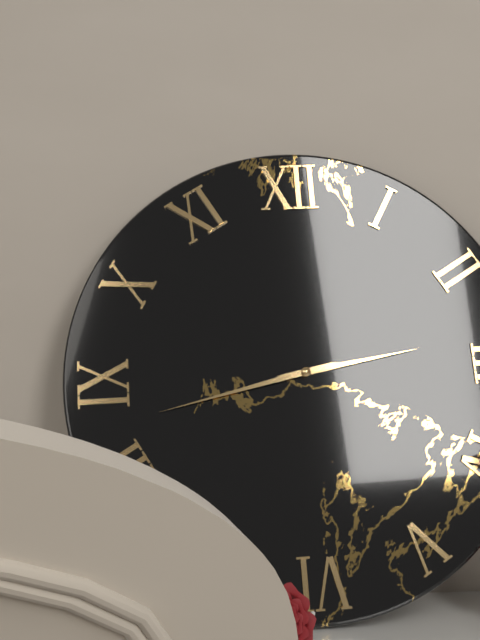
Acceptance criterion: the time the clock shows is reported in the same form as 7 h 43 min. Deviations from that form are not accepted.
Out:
2 h 43 min
